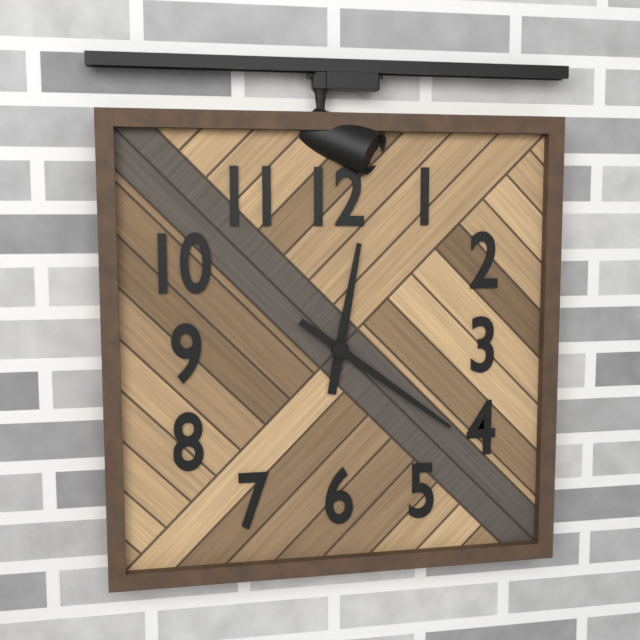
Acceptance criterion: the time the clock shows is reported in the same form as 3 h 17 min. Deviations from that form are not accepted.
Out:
12 h 21 min
